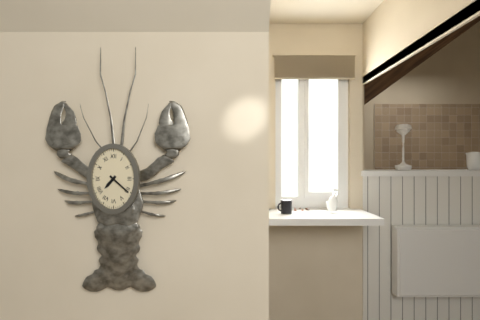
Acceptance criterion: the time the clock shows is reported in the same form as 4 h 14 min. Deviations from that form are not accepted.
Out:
7 h 22 min
